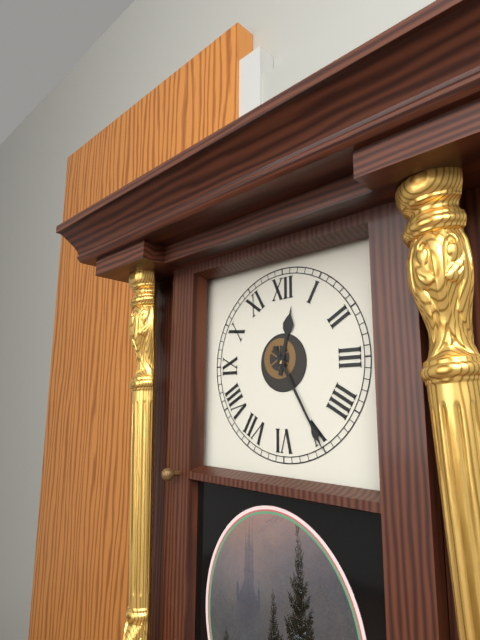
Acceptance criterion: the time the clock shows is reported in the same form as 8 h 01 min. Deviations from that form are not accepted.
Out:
12 h 25 min
